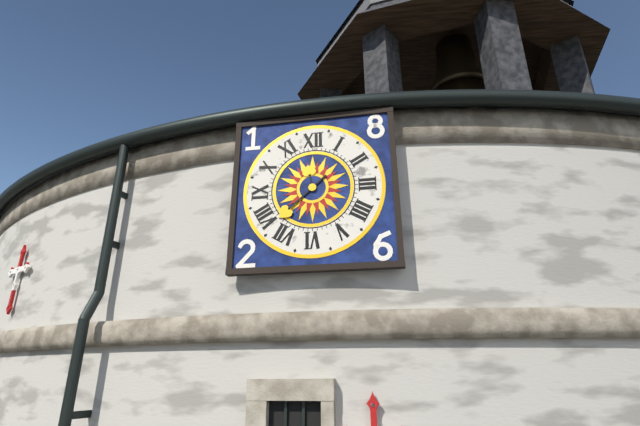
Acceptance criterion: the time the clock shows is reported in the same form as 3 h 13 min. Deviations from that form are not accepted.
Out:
11 h 38 min
